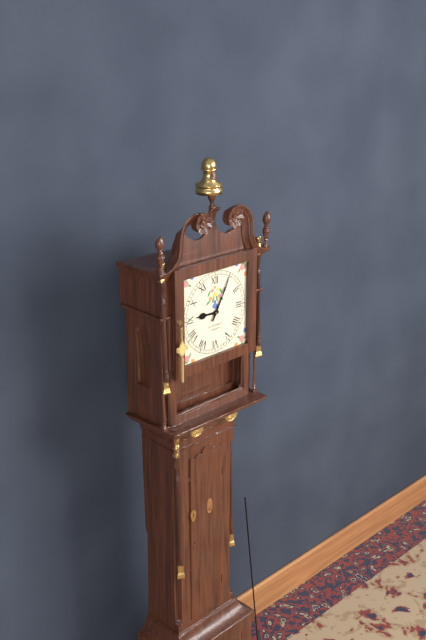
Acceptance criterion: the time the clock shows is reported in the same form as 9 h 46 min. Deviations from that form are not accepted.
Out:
9 h 05 min
